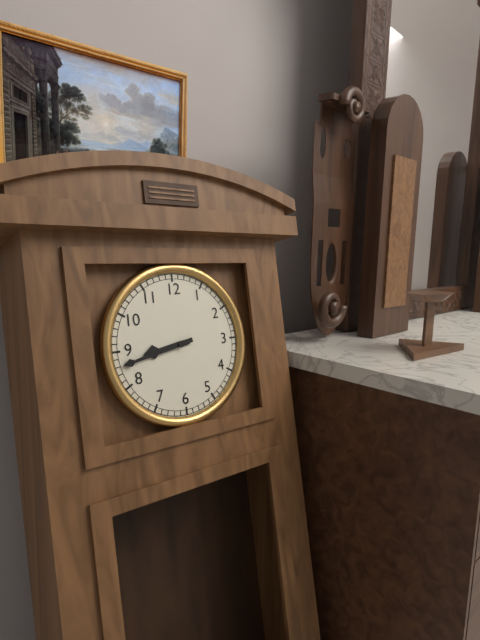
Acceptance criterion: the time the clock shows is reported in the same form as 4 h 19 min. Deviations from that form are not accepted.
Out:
8 h 43 min
